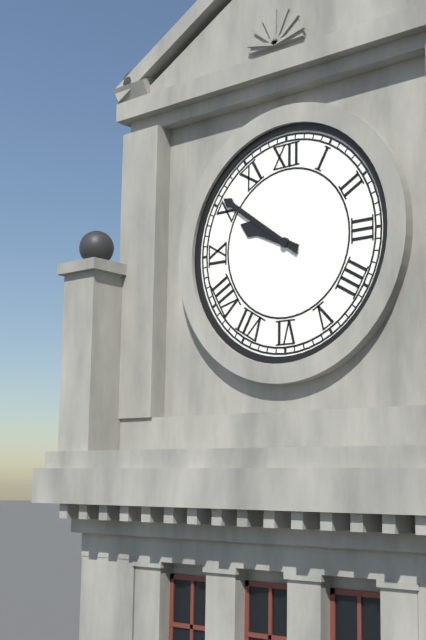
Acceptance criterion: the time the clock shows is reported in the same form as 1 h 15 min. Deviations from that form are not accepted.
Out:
9 h 51 min
